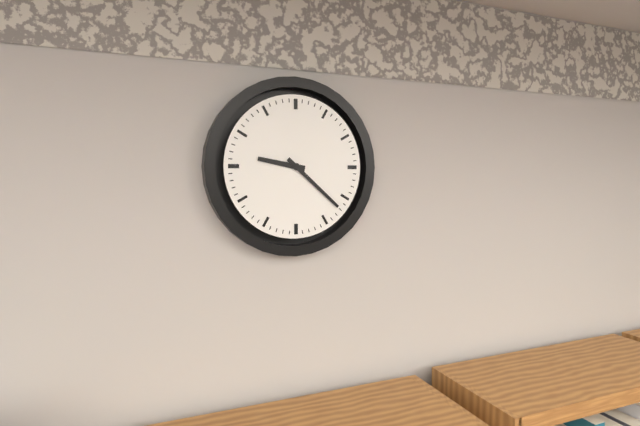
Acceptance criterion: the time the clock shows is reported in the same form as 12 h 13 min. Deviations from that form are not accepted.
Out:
9 h 22 min
